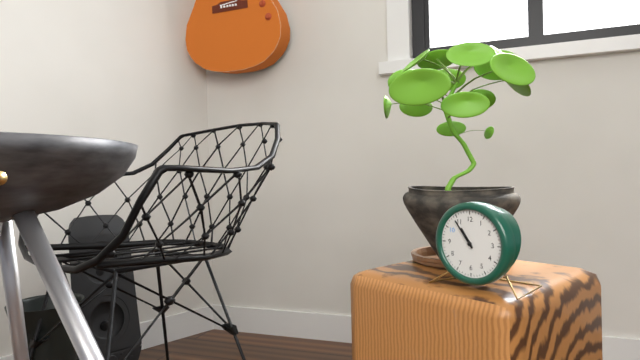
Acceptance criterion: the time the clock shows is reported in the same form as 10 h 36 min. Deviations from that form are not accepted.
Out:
10 h 54 min
